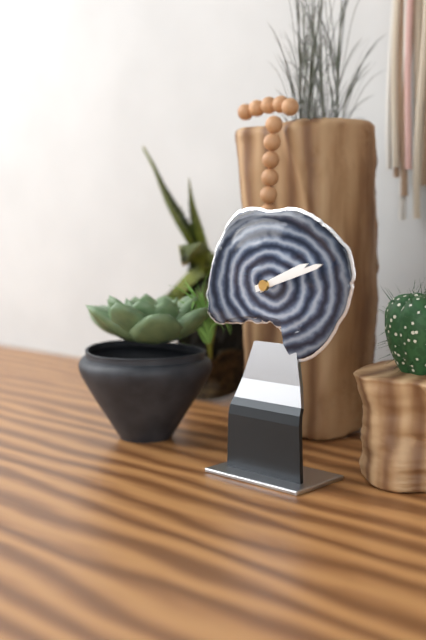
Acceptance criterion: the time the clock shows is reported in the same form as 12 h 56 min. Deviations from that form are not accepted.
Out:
2 h 12 min
